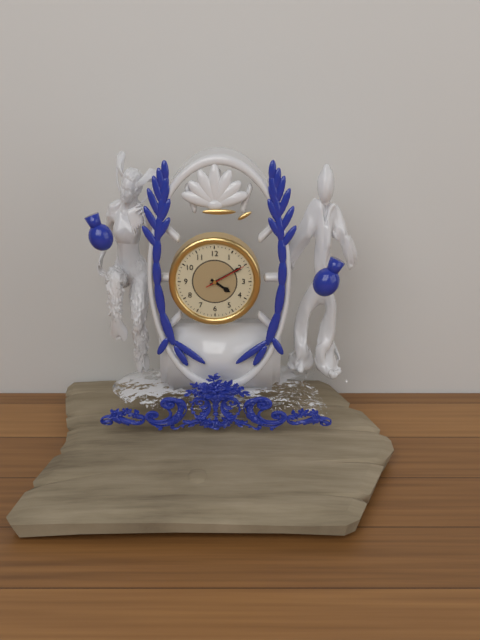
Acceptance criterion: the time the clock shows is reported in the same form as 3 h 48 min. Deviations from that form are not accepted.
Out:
4 h 10 min
